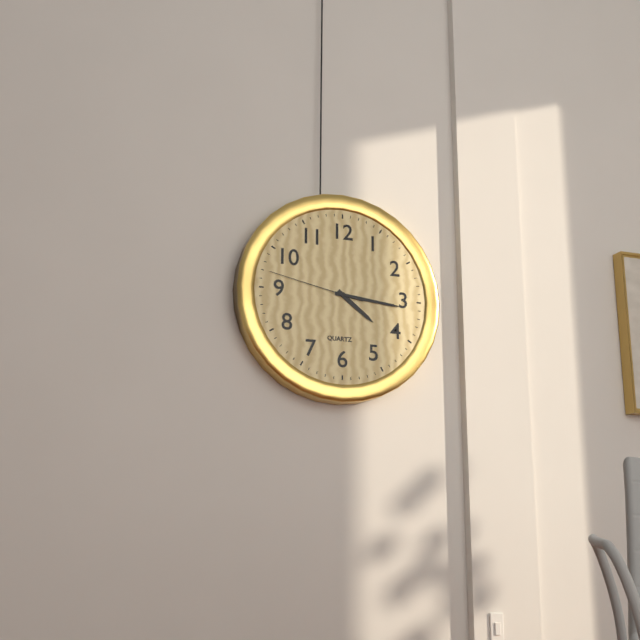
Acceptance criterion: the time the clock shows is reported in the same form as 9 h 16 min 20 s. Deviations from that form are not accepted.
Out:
4 h 16 min 47 s
